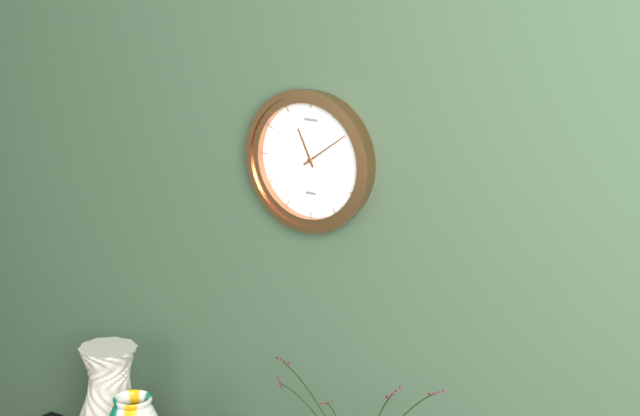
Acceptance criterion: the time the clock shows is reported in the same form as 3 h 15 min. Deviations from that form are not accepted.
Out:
11 h 09 min
